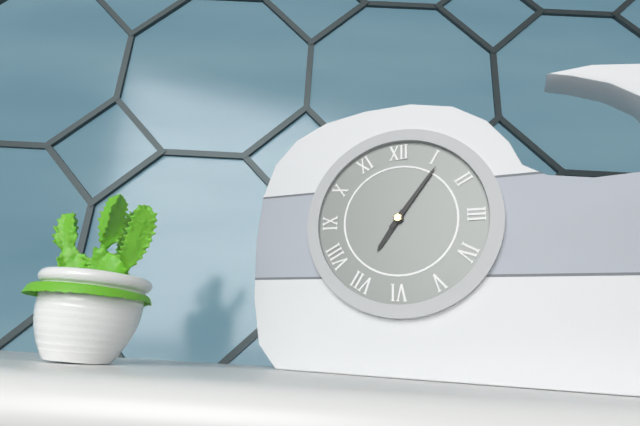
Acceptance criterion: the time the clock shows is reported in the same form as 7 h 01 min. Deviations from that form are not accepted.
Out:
7 h 06 min
